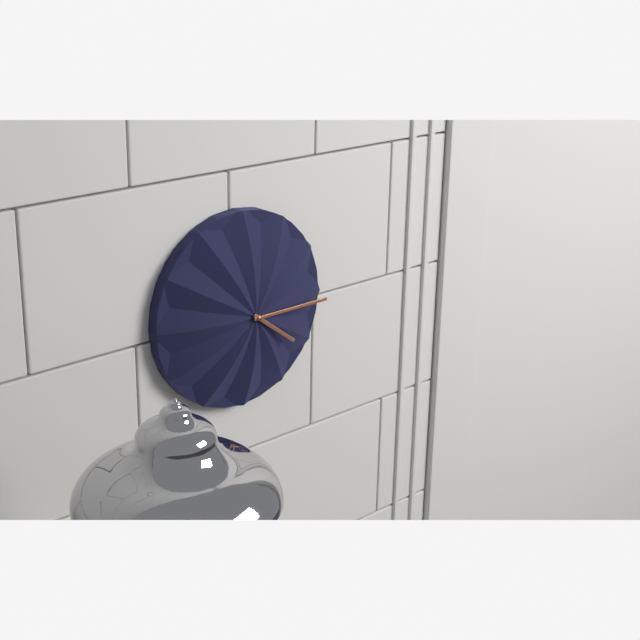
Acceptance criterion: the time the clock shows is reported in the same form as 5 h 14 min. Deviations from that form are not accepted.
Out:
4 h 15 min
